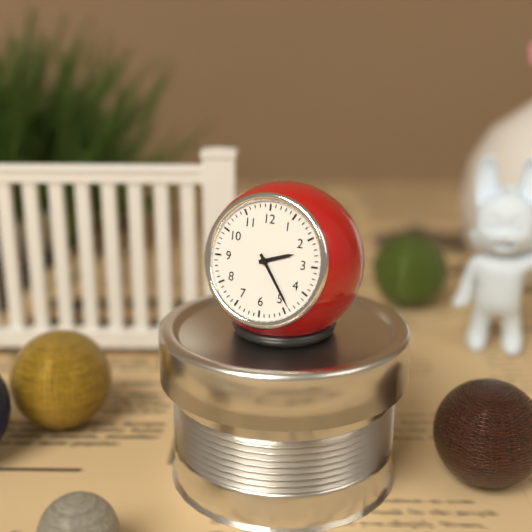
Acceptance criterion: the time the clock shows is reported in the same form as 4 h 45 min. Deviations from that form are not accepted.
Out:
2 h 24 min
